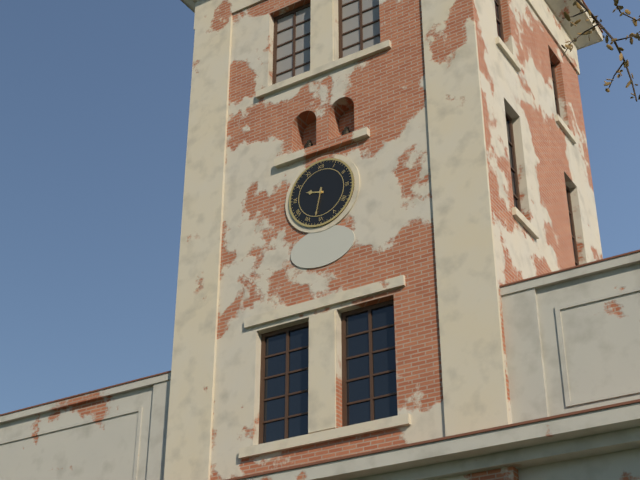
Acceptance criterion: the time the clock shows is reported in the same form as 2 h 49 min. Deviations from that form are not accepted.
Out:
9 h 32 min
